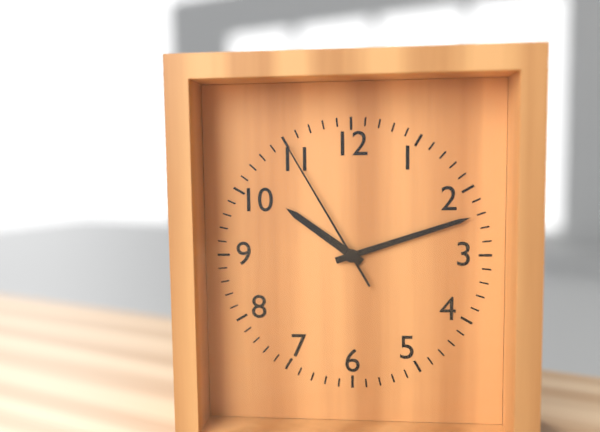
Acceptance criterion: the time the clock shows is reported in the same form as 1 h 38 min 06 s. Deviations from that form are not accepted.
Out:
10 h 12 min 55 s
